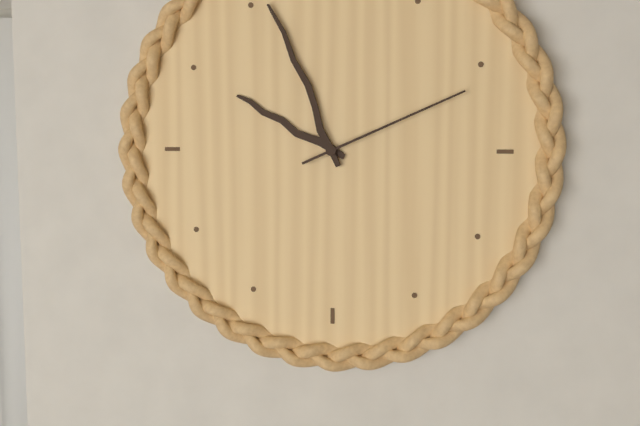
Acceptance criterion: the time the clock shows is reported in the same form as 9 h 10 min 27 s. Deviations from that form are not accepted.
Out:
9 h 56 min 11 s
